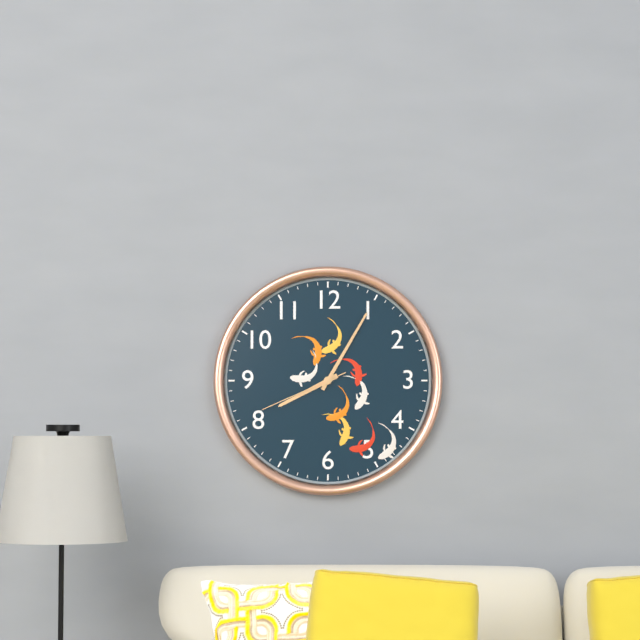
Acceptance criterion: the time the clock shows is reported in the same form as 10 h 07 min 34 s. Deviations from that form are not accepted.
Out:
8 h 05 min 41 s
